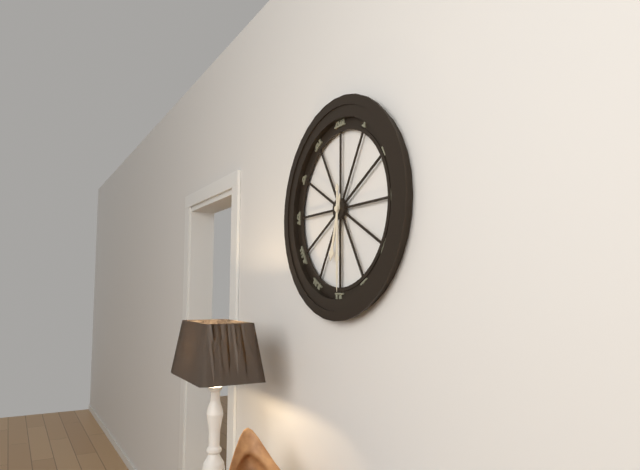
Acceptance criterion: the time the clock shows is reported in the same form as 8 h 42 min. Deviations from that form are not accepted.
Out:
6 h 30 min
